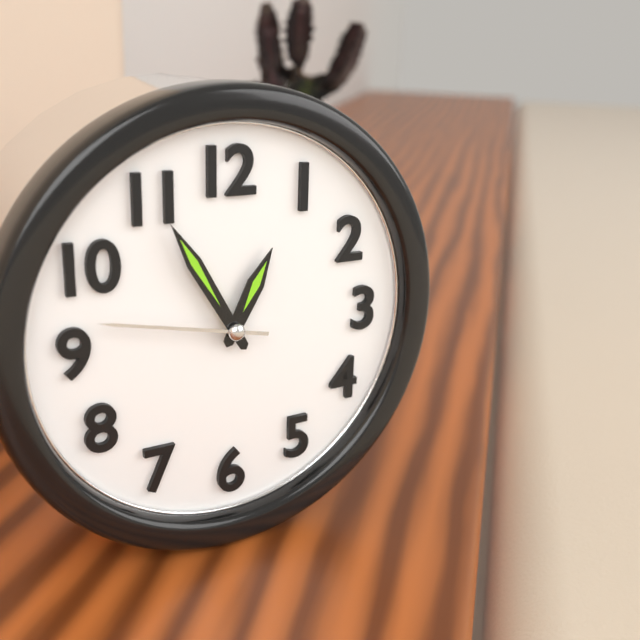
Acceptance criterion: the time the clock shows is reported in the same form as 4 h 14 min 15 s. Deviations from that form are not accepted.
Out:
12 h 55 min 47 s
